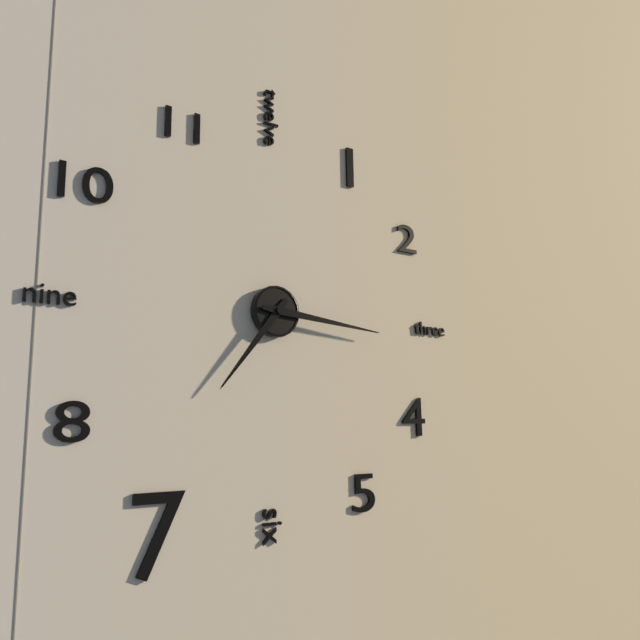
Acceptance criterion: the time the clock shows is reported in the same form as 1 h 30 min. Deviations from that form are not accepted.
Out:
7 h 16 min
